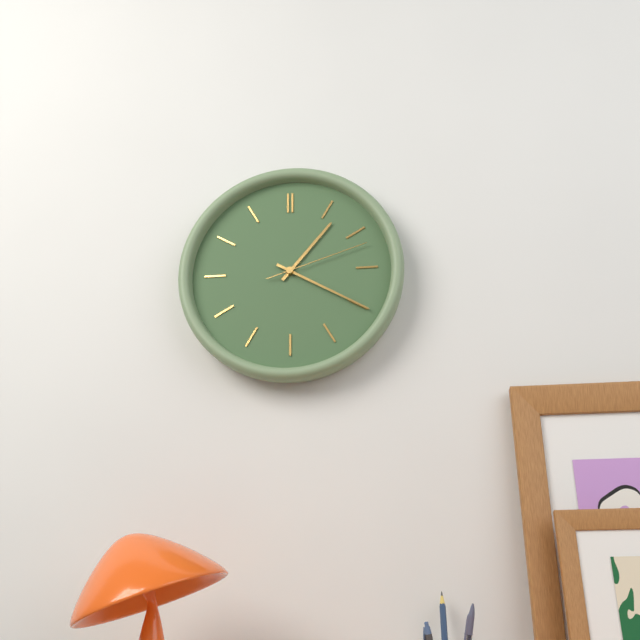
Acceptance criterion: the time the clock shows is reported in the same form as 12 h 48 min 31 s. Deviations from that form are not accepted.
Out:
1 h 20 min 12 s
